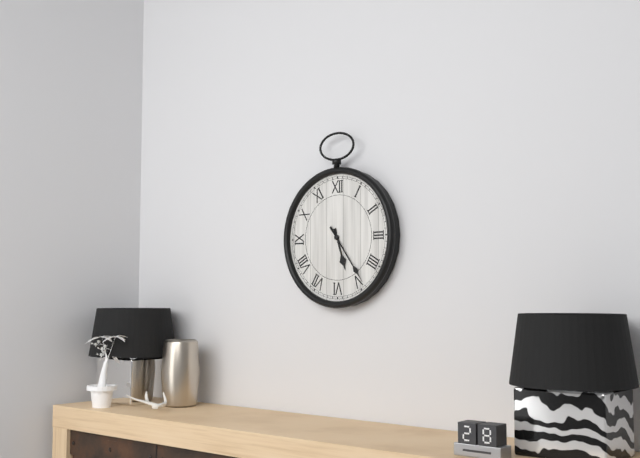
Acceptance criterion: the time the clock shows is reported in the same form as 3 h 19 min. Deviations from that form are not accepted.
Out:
5 h 24 min
